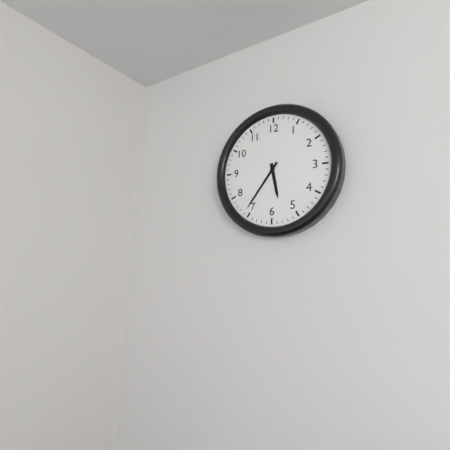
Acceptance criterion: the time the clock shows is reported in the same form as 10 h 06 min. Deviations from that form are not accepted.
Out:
5 h 36 min
